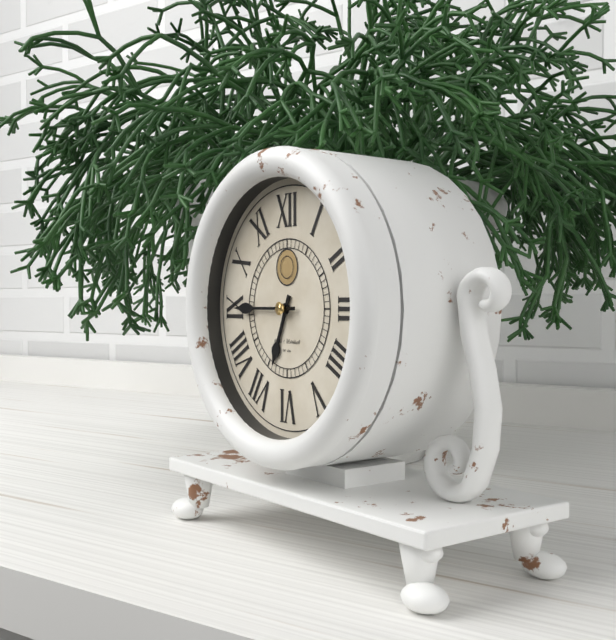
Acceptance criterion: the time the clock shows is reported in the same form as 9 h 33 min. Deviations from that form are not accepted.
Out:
6 h 45 min
